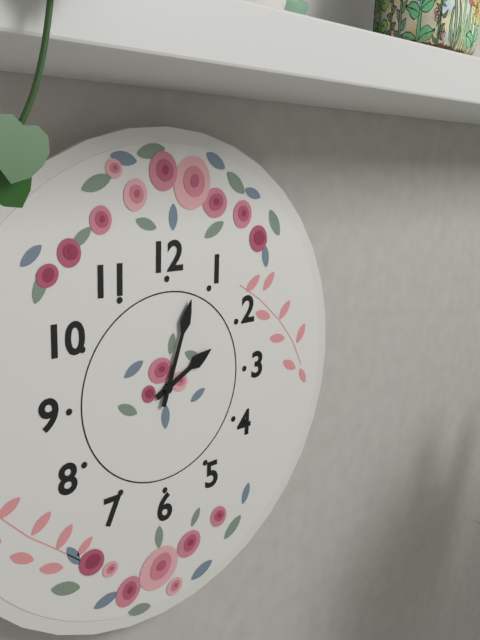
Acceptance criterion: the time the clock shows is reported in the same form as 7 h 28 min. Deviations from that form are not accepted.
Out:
2 h 03 min
